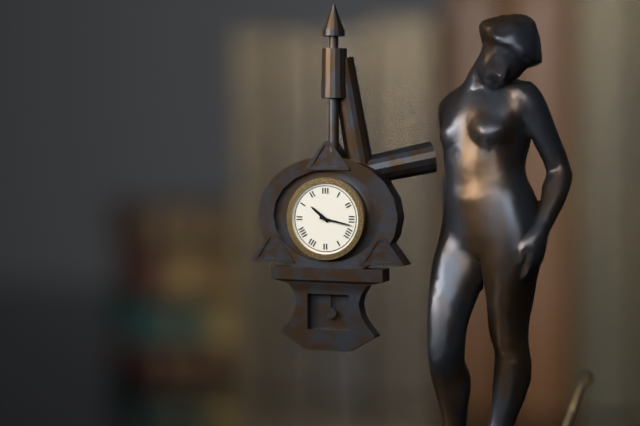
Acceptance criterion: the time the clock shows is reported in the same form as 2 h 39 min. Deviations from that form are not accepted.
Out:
10 h 17 min
